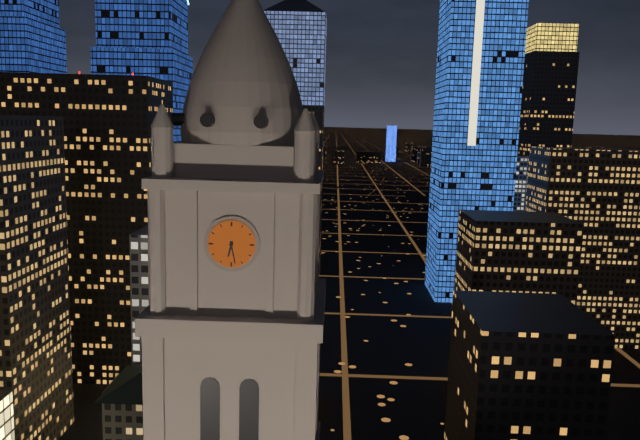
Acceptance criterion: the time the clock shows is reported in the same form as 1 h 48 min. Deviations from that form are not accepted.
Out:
6 h 28 min
